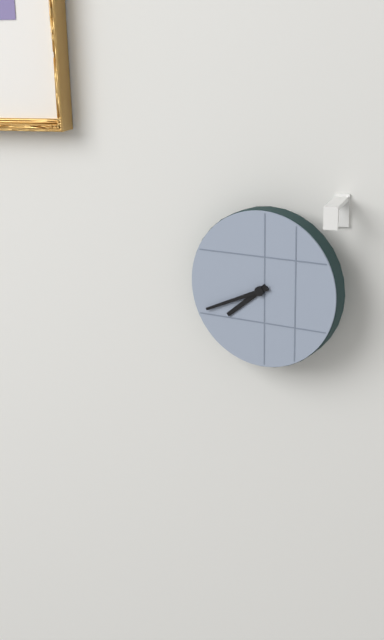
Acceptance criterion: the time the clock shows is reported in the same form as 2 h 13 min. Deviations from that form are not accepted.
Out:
7 h 41 min
